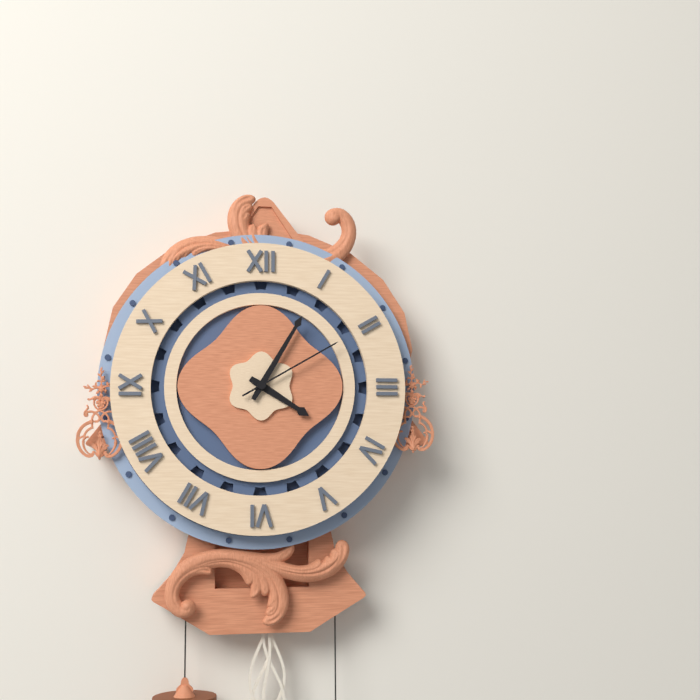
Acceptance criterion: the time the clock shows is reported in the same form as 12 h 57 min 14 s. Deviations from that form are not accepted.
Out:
4 h 05 min 10 s
